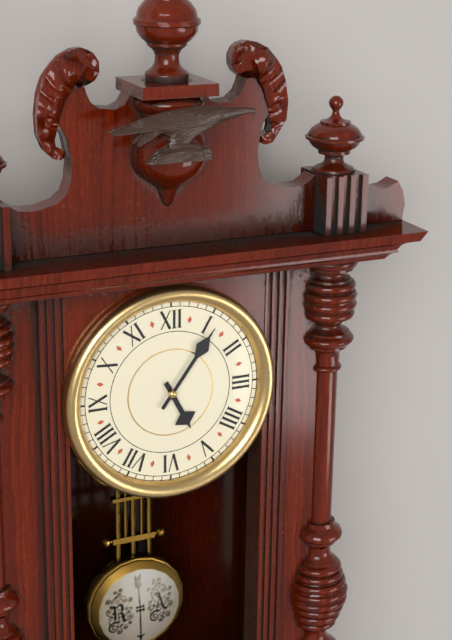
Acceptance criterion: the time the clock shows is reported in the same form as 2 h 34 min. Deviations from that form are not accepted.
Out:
5 h 06 min
